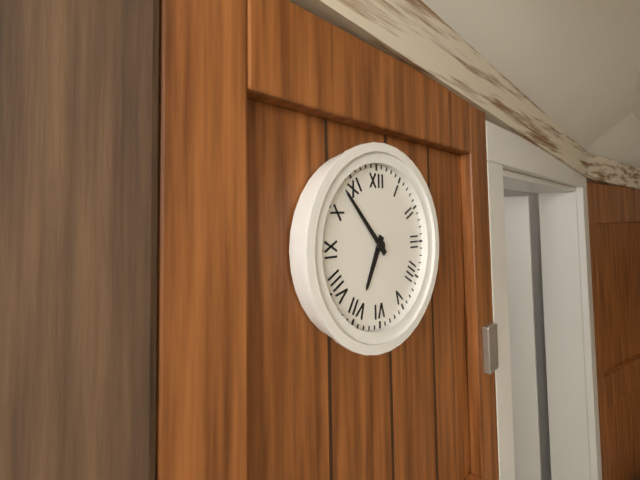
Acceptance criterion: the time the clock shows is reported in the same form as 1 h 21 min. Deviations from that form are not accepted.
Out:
6 h 53 min
